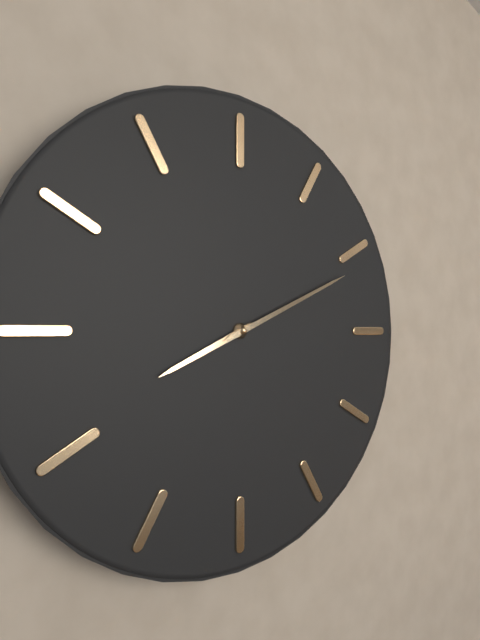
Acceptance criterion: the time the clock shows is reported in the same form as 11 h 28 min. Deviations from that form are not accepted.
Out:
8 h 11 min
